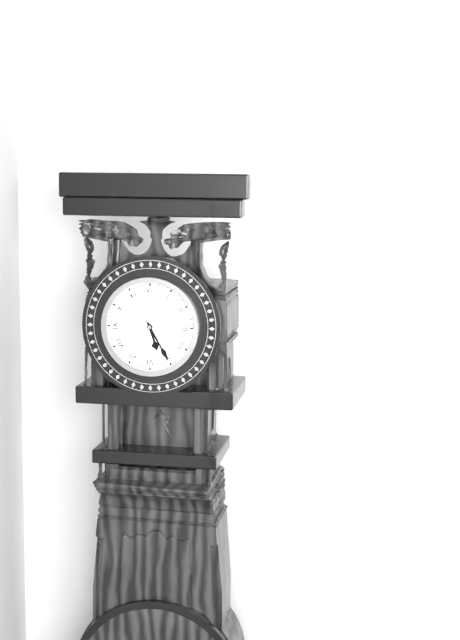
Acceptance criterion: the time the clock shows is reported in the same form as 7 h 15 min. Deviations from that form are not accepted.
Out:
5 h 25 min
